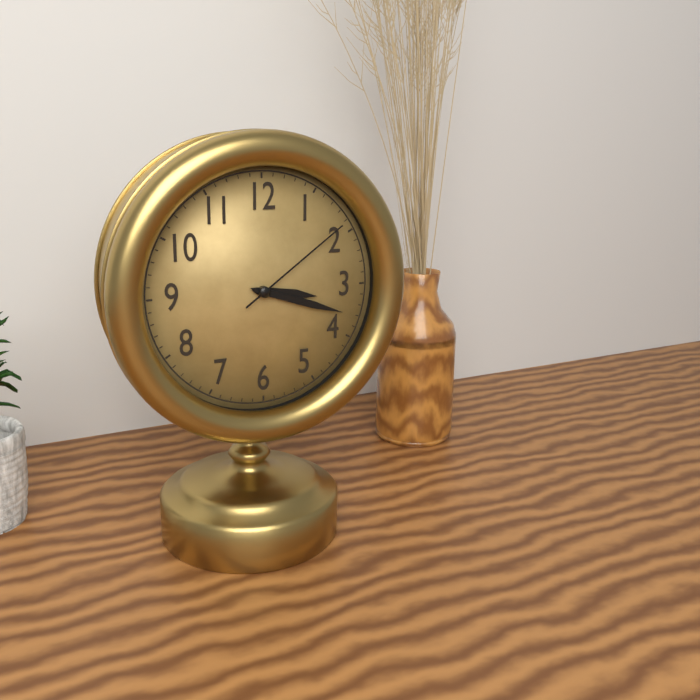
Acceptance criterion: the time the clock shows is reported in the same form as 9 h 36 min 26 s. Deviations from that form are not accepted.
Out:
3 h 18 min 09 s
